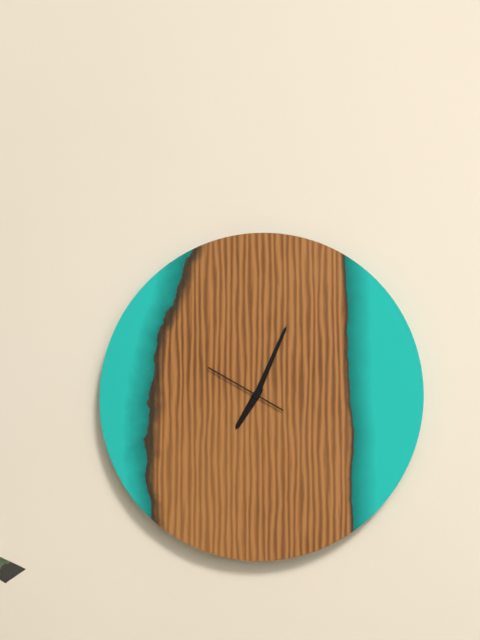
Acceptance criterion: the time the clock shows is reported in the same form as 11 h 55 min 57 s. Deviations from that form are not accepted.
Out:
7 h 04 min 50 s
